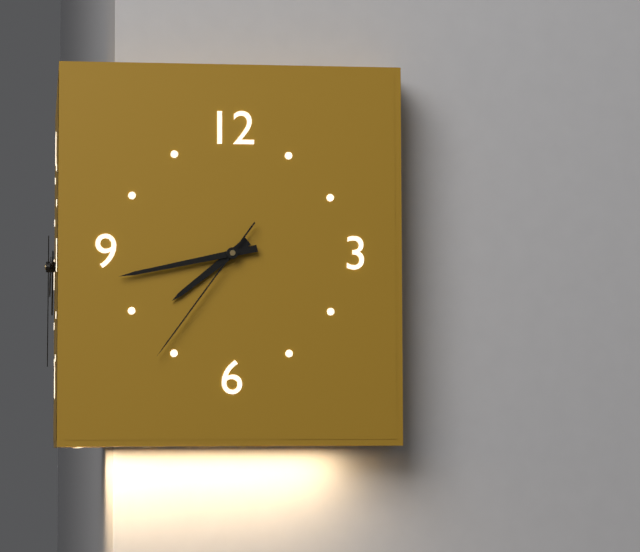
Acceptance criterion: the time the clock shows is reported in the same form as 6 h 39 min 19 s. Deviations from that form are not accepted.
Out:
7 h 43 min 36 s
